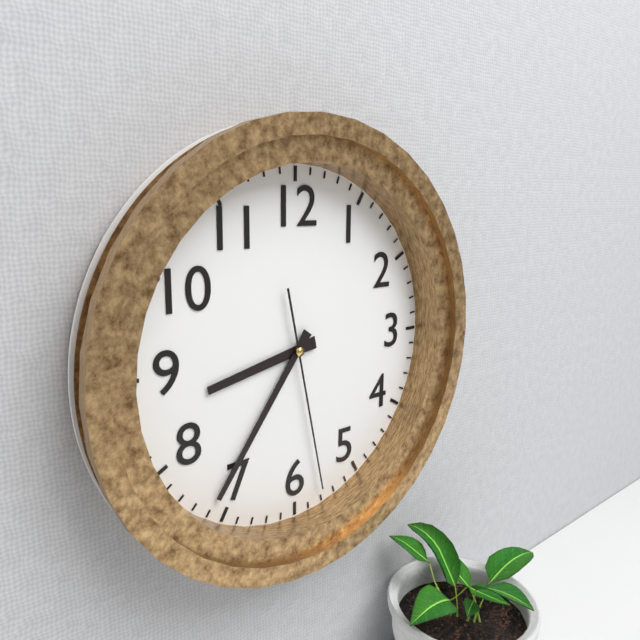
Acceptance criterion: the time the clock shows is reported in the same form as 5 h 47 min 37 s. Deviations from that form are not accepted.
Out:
8 h 36 min 28 s
